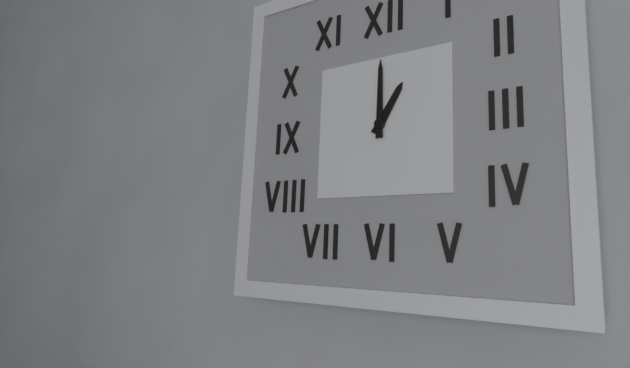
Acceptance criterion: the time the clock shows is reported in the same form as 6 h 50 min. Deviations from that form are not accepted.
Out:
1 h 00 min
